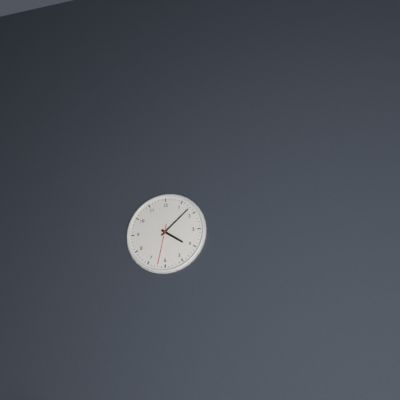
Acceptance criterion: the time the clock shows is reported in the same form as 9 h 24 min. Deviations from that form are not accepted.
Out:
4 h 08 min
